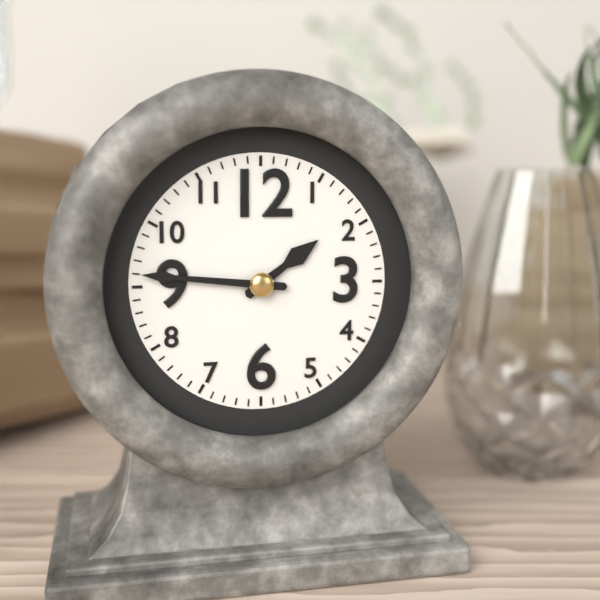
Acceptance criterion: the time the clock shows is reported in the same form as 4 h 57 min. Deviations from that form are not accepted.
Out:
1 h 46 min
